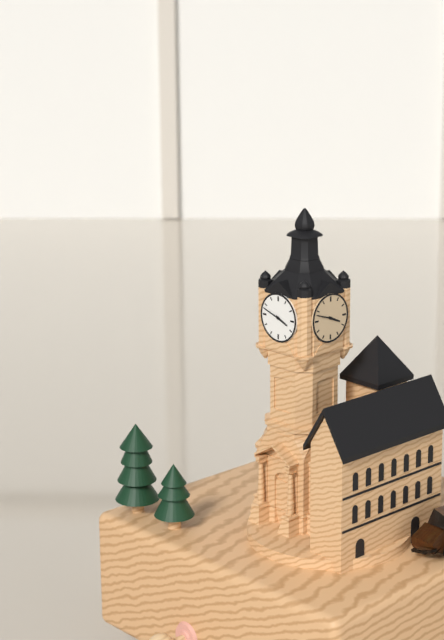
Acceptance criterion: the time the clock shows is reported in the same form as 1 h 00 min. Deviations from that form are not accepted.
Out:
3 h 48 min
